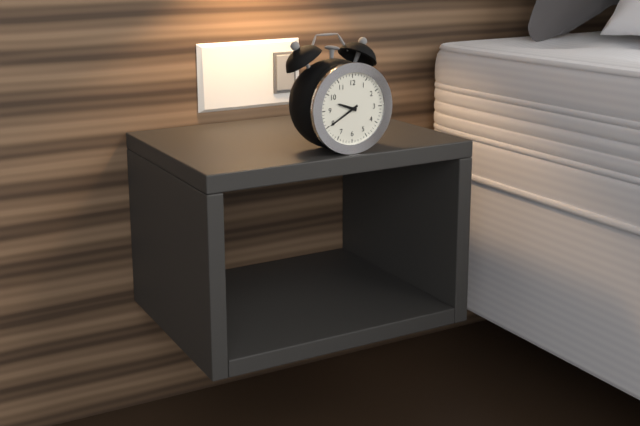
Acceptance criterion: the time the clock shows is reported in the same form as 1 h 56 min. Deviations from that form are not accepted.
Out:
9 h 40 min
